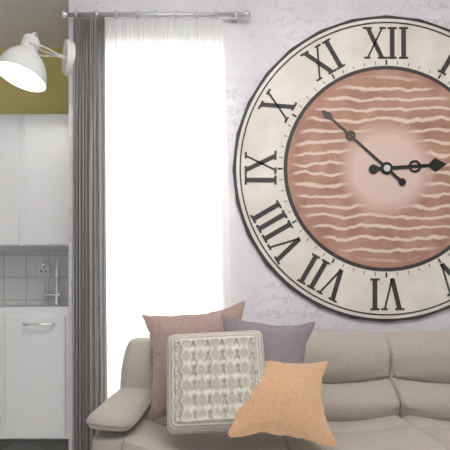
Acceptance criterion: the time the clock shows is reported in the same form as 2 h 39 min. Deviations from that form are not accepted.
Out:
2 h 52 min
